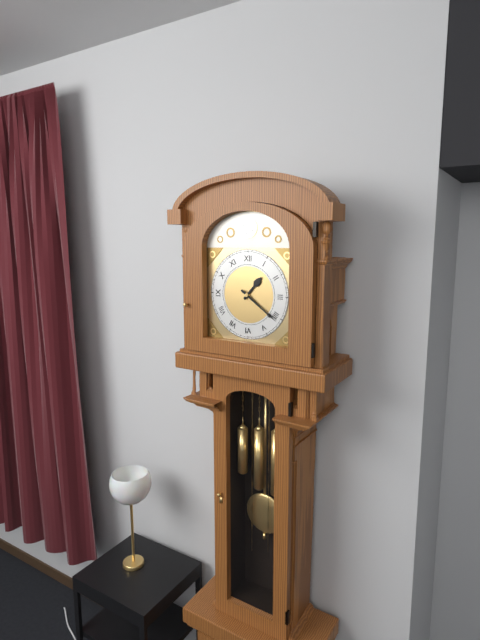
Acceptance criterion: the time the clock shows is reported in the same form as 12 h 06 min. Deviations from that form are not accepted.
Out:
1 h 21 min
